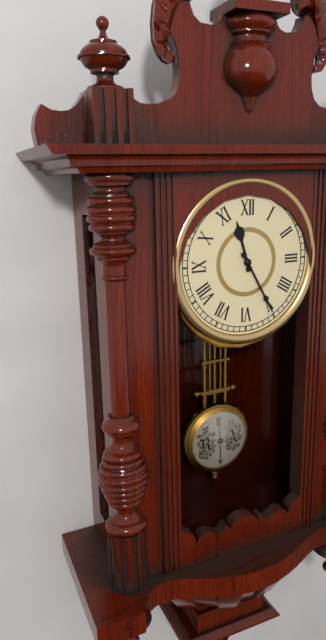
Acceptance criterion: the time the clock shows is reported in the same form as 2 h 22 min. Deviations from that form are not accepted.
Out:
11 h 25 min
